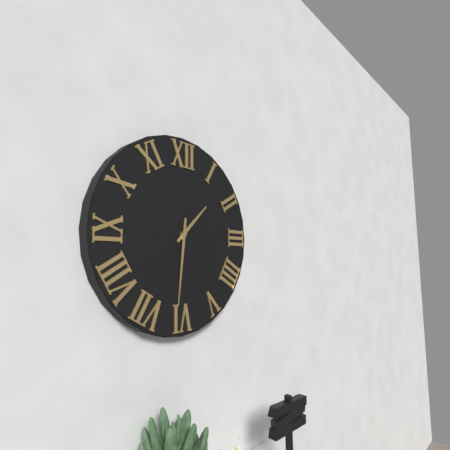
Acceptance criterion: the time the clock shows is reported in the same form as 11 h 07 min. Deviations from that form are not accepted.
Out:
1 h 31 min
